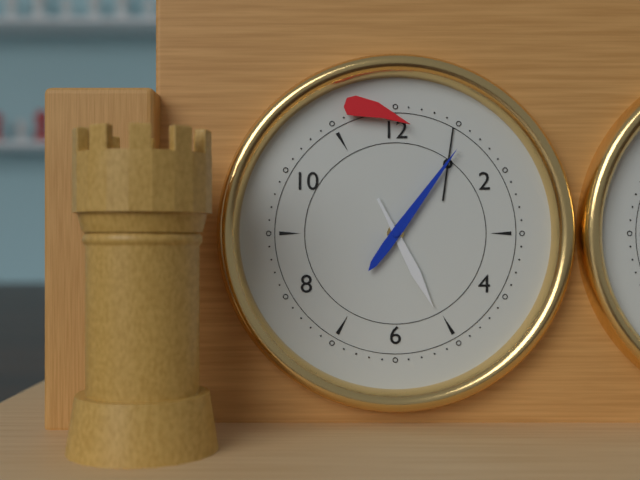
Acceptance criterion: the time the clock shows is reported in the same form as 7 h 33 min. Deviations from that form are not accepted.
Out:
5 h 06 min
